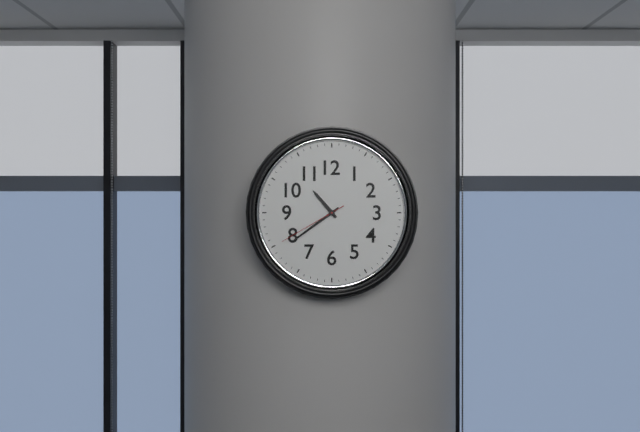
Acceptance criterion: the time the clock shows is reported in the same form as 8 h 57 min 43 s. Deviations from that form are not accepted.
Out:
10 h 39 min 40 s
